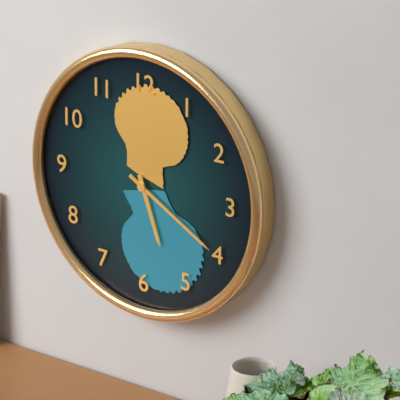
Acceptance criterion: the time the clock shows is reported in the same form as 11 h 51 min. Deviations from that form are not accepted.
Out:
5 h 20 min
